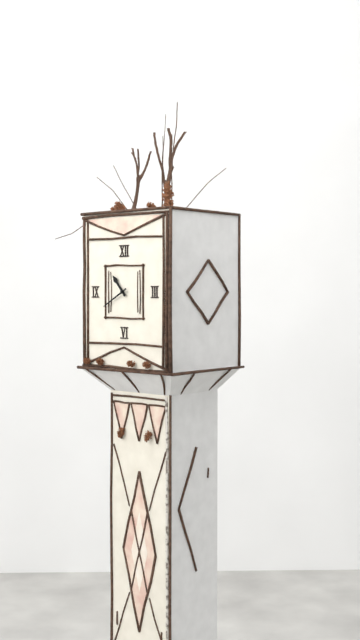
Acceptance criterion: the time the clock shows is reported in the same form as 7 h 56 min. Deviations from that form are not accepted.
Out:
10 h 40 min
